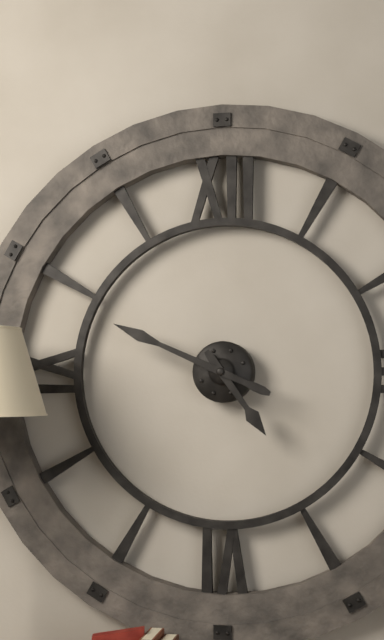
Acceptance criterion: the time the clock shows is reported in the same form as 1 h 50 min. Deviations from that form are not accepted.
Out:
4 h 49 min
